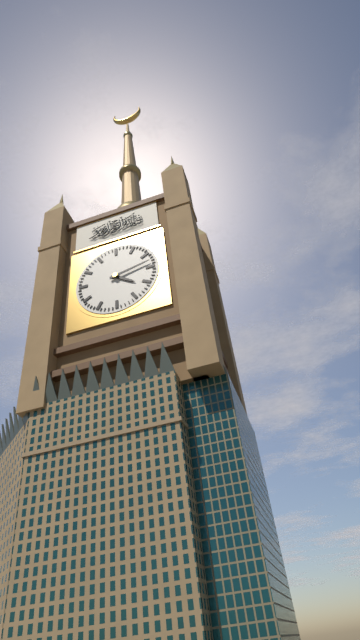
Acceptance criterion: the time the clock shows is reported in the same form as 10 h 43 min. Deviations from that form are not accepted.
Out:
4 h 13 min
